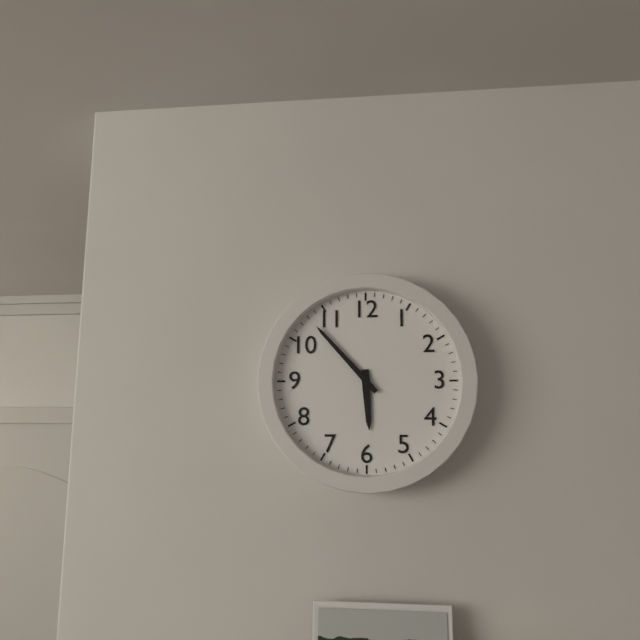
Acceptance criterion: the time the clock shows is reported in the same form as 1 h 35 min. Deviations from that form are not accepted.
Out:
5 h 53 min
